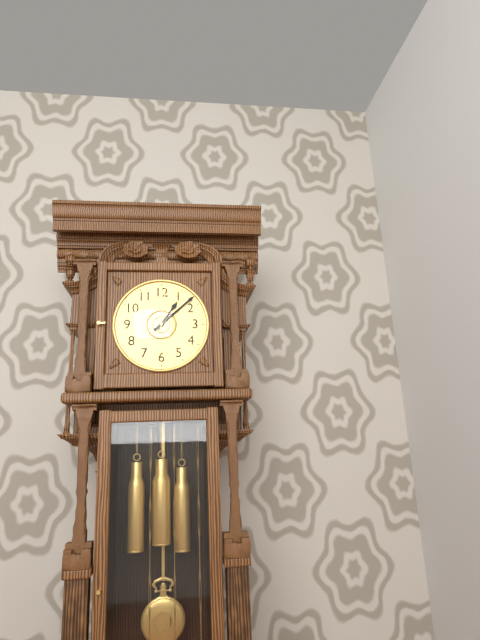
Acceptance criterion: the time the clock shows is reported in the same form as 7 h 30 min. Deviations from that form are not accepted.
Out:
1 h 08 min
